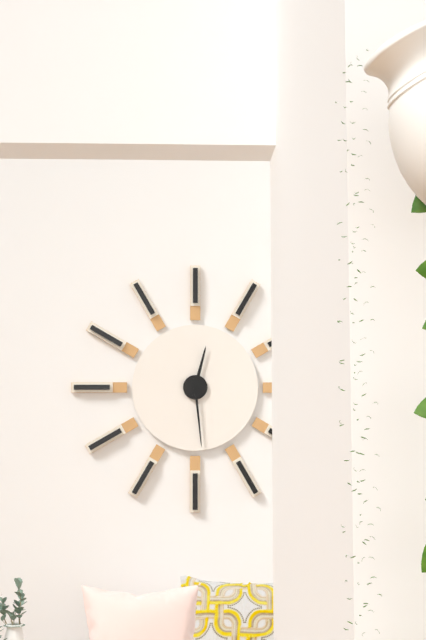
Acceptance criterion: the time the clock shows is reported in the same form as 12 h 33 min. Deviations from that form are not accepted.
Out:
12 h 29 min
